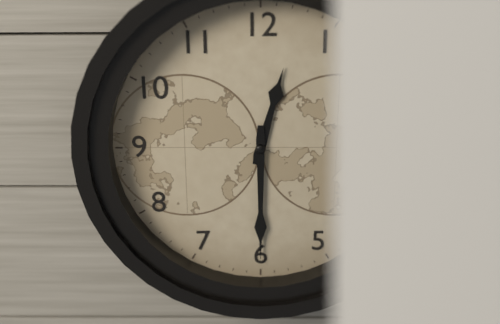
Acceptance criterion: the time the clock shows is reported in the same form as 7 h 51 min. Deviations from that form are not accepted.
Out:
12 h 30 min
